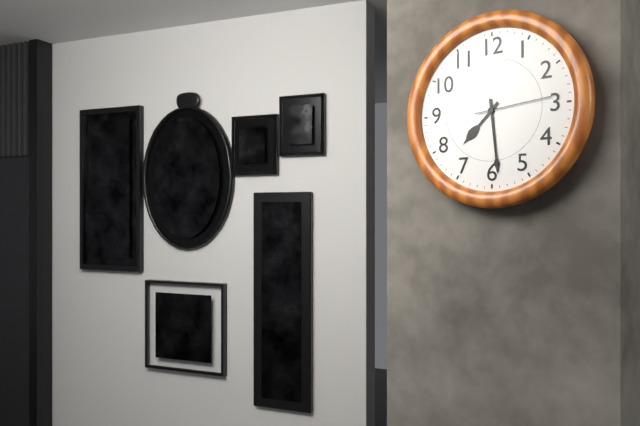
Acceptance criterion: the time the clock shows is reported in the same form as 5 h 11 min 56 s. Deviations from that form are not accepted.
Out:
7 h 29 min 14 s
